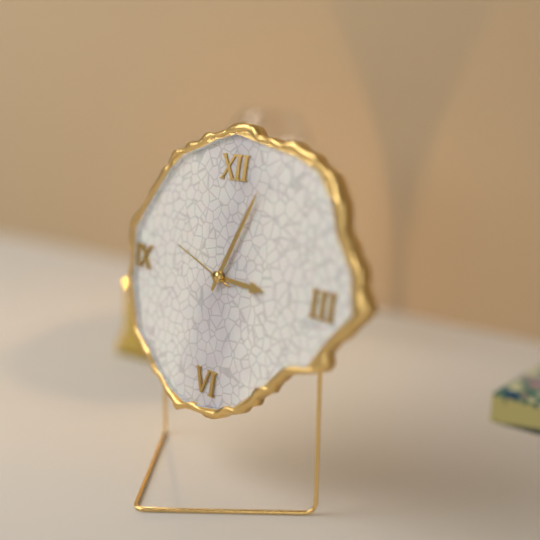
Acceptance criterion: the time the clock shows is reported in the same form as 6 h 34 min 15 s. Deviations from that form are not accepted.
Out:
3 h 04 min 48 s
